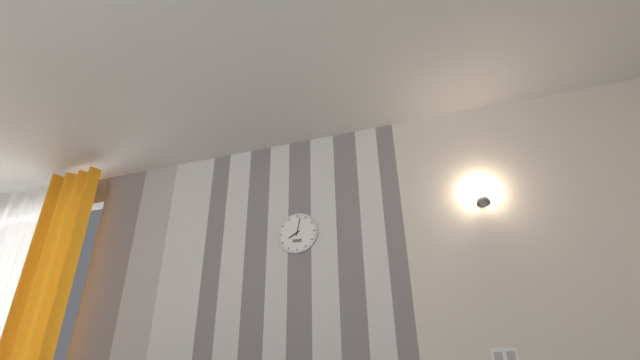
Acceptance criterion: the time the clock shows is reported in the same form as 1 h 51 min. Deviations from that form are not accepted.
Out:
8 h 02 min
